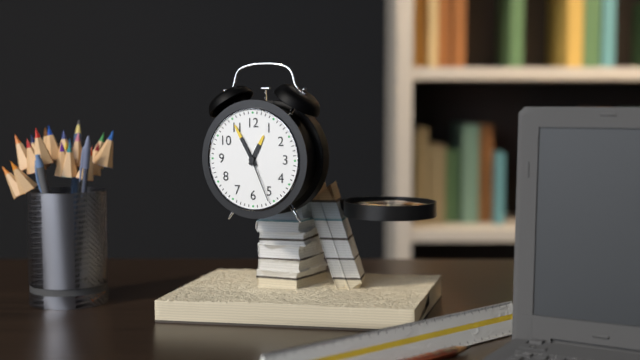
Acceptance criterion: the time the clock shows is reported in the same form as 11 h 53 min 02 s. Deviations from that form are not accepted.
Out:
12 h 55 min 26 s
